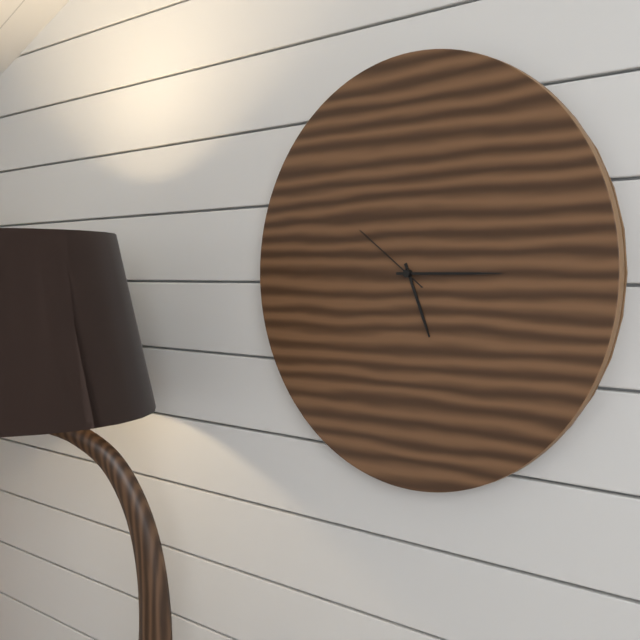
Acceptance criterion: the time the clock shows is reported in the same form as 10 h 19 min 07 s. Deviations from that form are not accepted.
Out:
5 h 15 min 51 s
